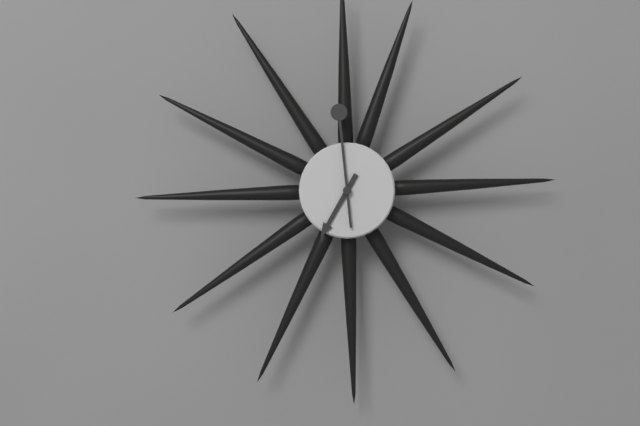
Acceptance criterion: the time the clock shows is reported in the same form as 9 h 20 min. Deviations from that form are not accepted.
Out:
6 h 59 min
